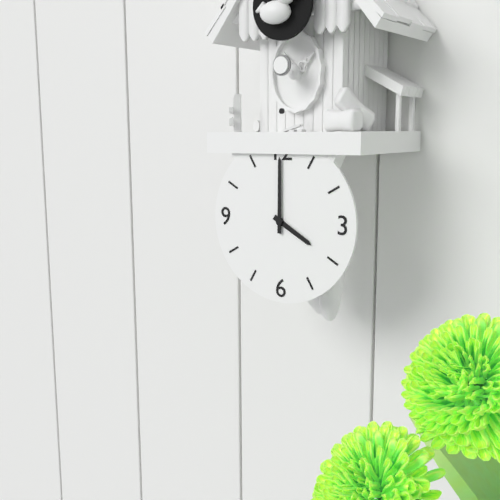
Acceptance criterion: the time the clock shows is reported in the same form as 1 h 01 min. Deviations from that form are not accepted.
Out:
4 h 00 min
